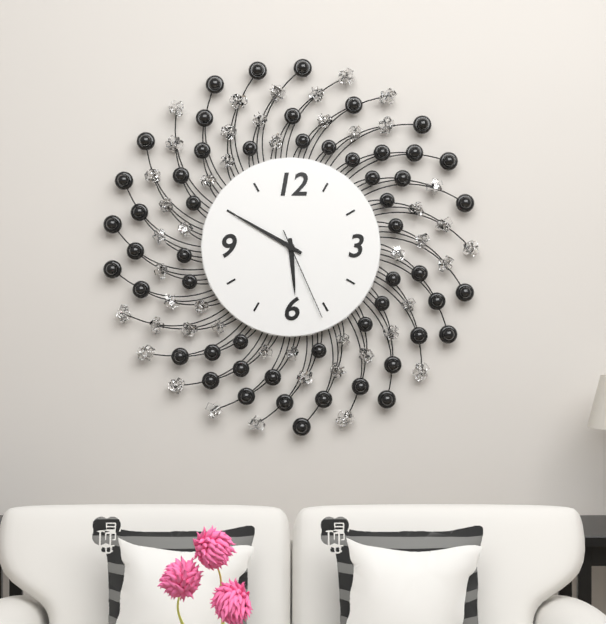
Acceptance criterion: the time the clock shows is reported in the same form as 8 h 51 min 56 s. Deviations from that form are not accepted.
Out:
5 h 50 min 26 s
